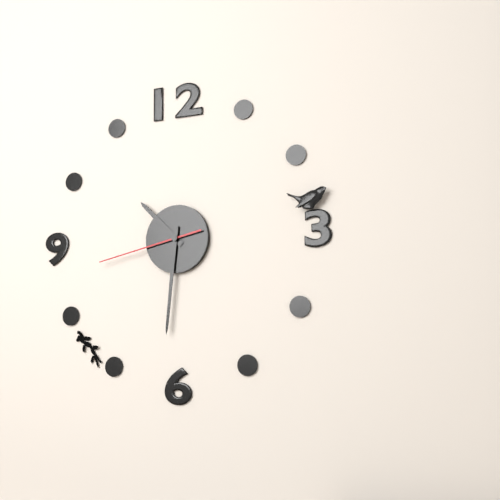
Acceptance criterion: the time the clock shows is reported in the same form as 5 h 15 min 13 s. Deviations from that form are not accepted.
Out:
10 h 31 min 43 s
